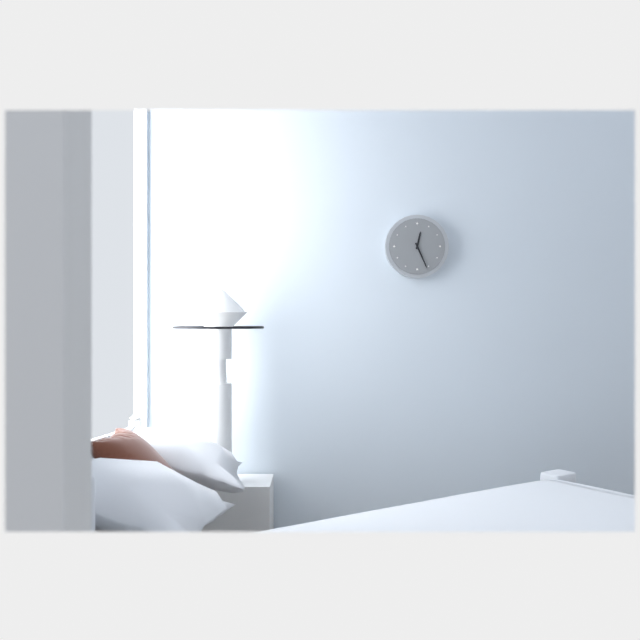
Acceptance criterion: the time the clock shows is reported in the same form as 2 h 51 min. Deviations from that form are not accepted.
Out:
12 h 26 min
